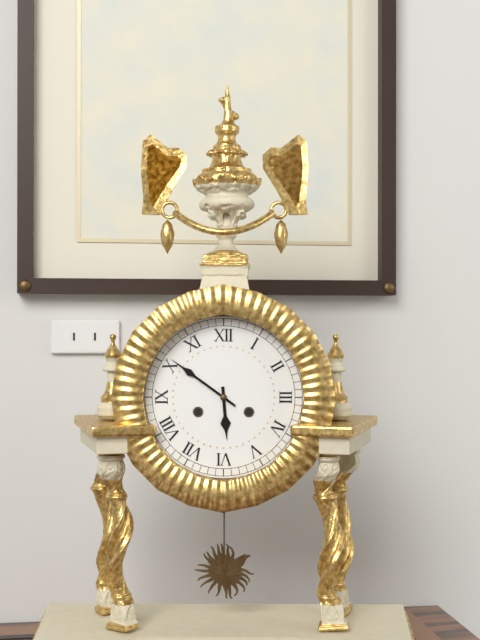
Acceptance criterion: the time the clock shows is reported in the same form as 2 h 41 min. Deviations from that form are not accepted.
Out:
5 h 51 min
